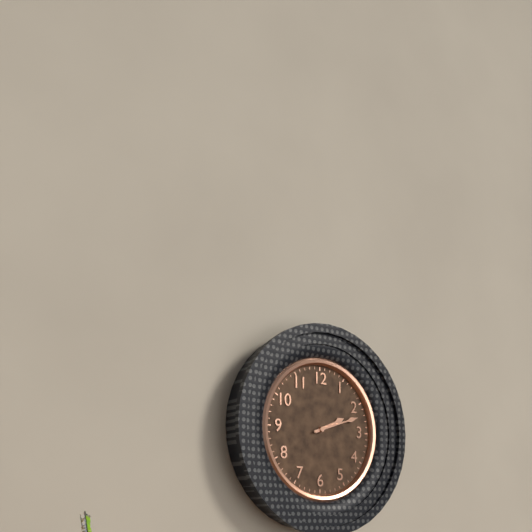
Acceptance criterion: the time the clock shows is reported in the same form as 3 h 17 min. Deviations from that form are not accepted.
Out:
2 h 12 min
